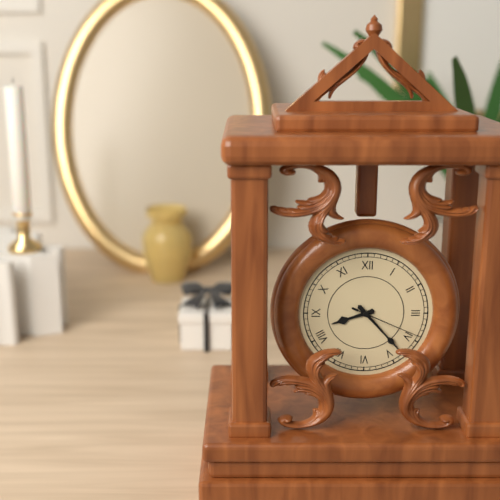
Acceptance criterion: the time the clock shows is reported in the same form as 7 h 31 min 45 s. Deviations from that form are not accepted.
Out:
8 h 23 min 19 s
